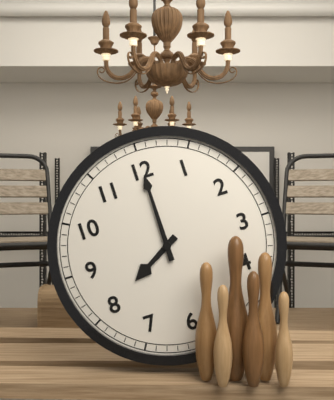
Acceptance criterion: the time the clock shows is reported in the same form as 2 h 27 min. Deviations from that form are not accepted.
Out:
8 h 00 min
